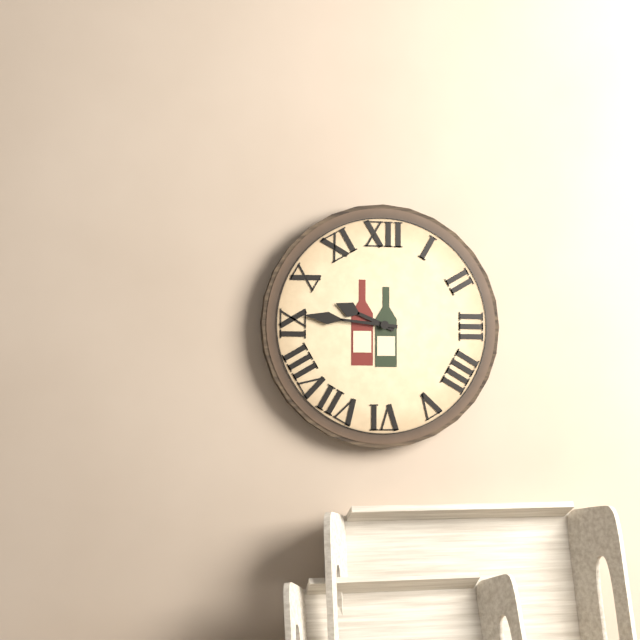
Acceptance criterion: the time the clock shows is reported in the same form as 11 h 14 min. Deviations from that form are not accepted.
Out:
9 h 46 min
